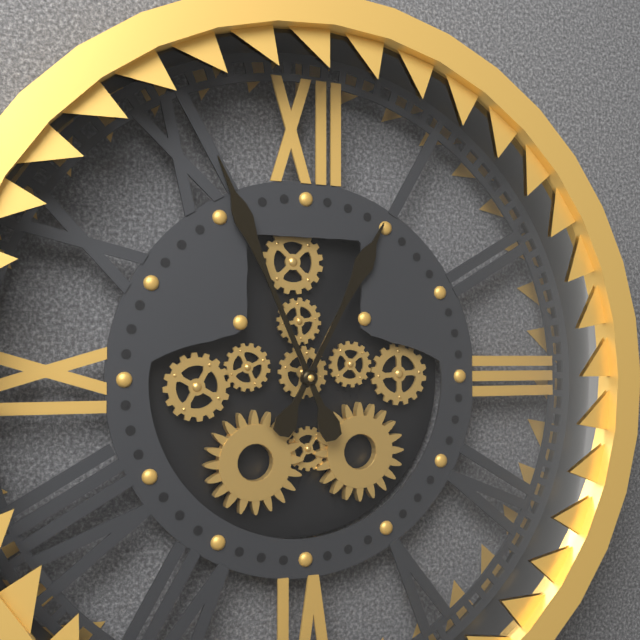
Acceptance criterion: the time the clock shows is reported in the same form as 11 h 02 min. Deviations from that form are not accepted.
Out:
12 h 56 min
